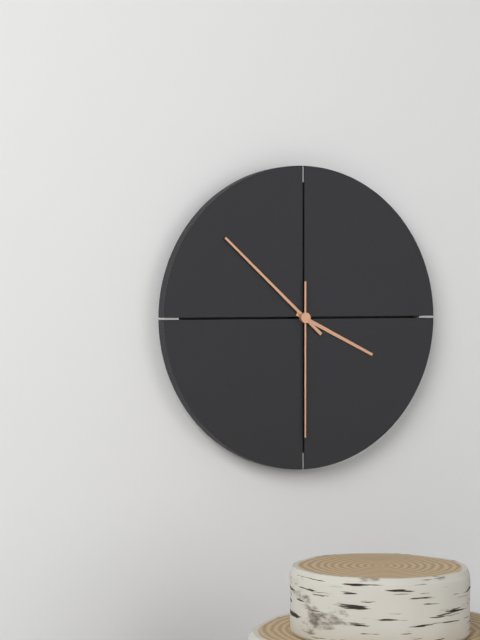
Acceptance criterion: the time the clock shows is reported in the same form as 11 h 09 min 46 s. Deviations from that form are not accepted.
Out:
3 h 52 min 30 s
